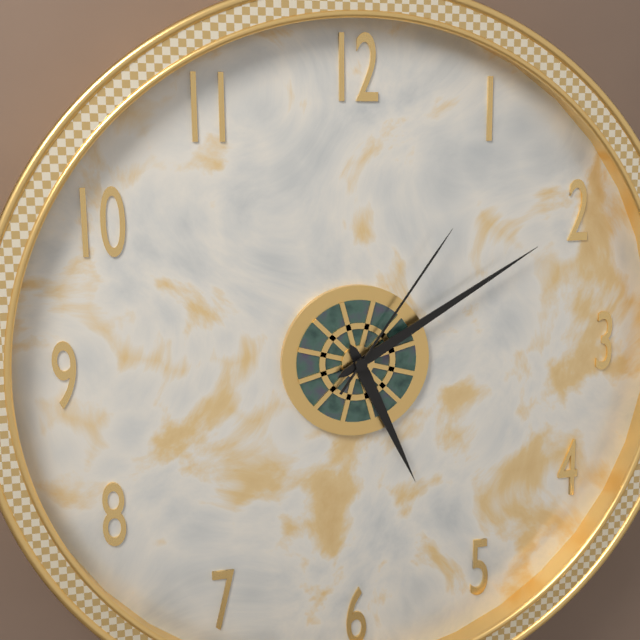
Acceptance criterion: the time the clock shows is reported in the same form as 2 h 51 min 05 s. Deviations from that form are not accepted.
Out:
5 h 10 min 06 s
